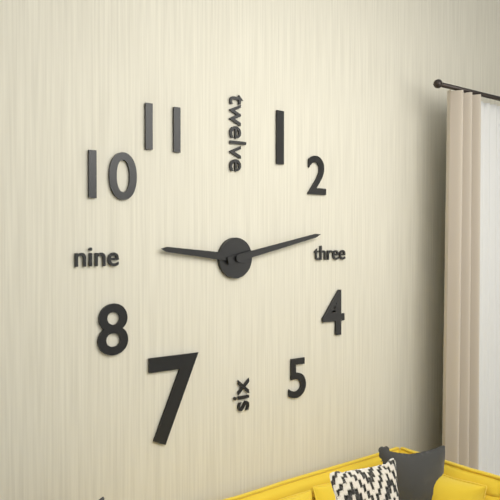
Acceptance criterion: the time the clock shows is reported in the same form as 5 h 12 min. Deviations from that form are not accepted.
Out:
9 h 13 min
